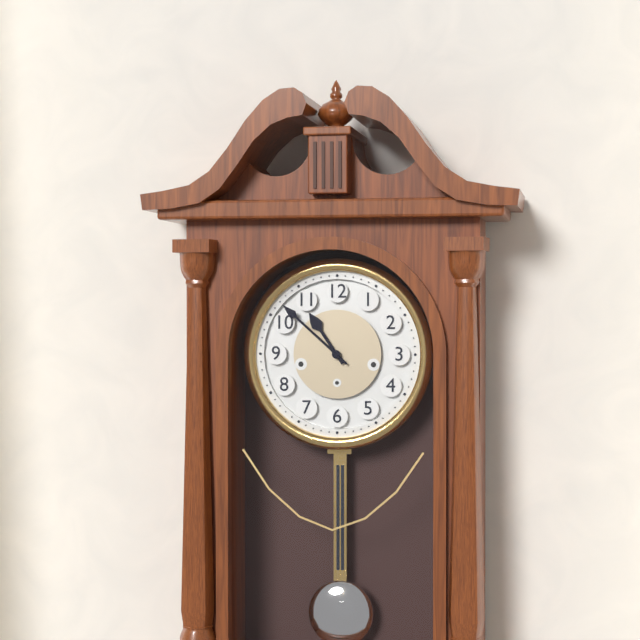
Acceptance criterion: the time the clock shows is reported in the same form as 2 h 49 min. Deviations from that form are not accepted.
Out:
10 h 52 min
